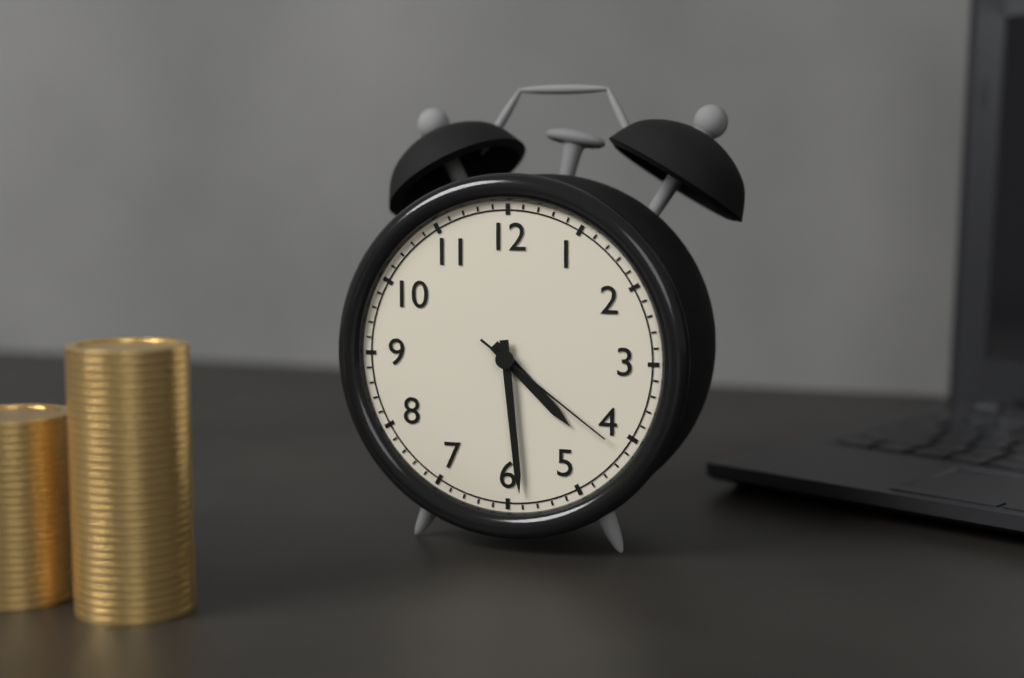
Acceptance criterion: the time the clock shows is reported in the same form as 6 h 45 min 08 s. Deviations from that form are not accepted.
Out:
4 h 29 min 21 s
